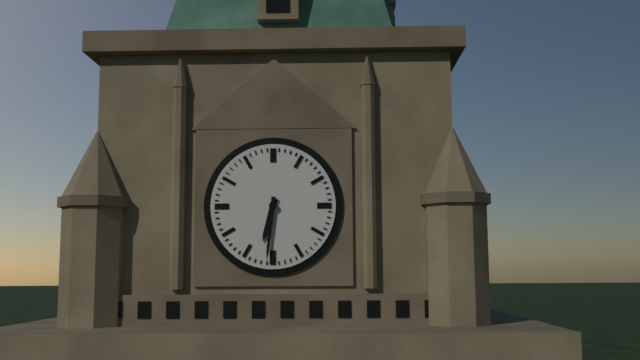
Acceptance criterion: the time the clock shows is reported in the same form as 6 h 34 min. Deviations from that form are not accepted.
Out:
6 h 31 min
